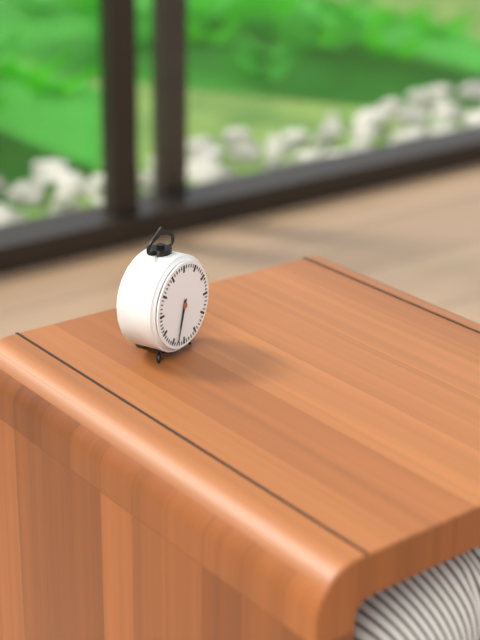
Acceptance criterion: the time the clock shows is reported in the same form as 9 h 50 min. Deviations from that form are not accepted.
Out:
6 h 33 min
